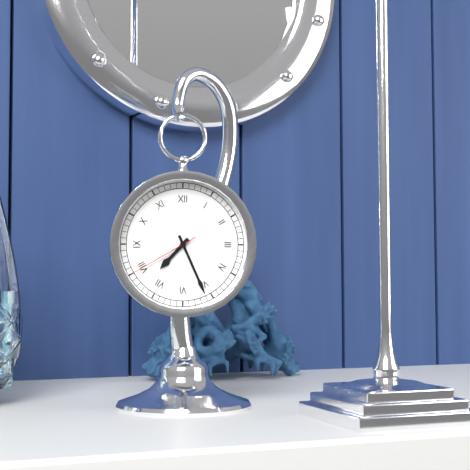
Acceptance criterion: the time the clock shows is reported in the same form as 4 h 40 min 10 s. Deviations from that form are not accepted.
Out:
7 h 26 min 40 s
